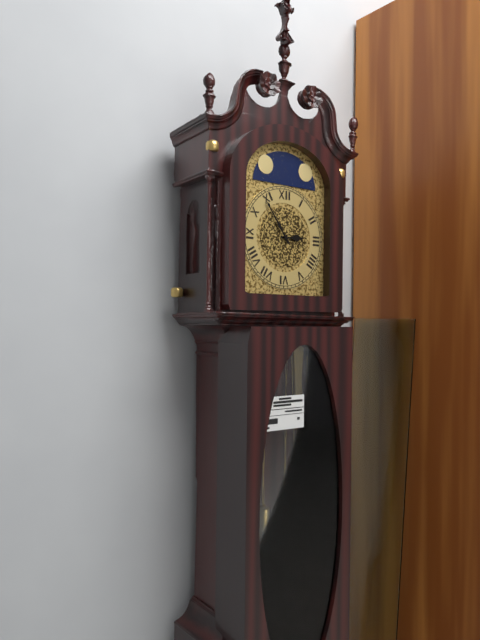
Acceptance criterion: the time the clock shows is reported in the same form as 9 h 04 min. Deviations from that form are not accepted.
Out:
2 h 54 min
